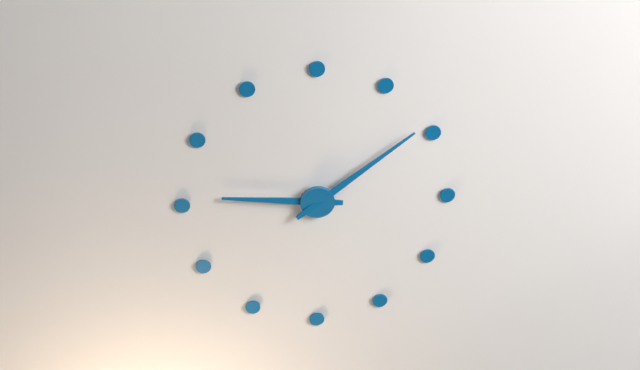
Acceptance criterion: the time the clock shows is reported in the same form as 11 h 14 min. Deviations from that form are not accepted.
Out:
9 h 09 min
